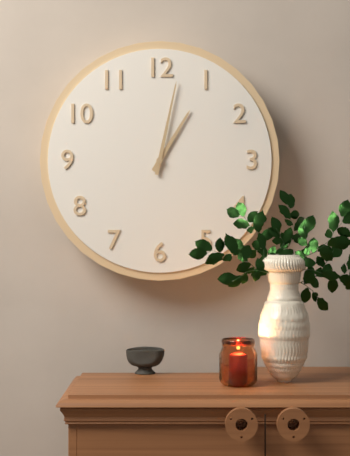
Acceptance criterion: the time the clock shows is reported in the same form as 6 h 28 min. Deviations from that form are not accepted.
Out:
1 h 02 min
